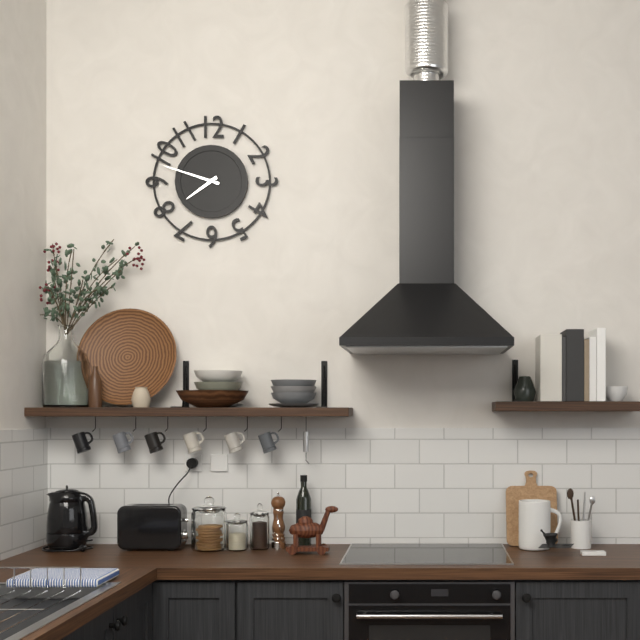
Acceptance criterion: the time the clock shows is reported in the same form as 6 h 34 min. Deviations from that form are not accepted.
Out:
7 h 48 min
